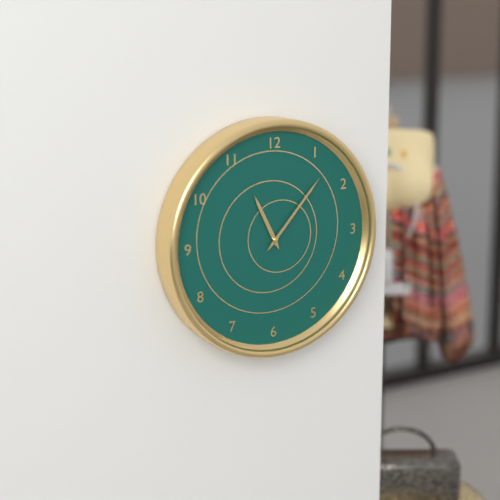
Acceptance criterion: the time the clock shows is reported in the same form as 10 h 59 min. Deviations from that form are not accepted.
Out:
11 h 07 min
